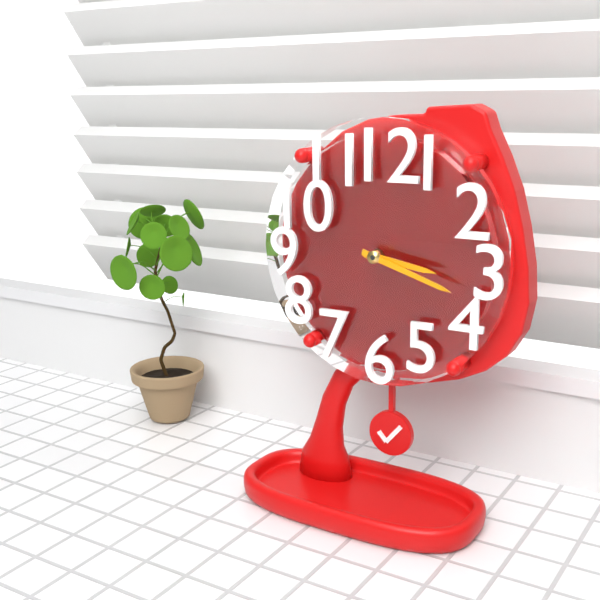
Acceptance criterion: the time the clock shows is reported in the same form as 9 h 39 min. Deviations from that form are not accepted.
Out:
3 h 18 min
